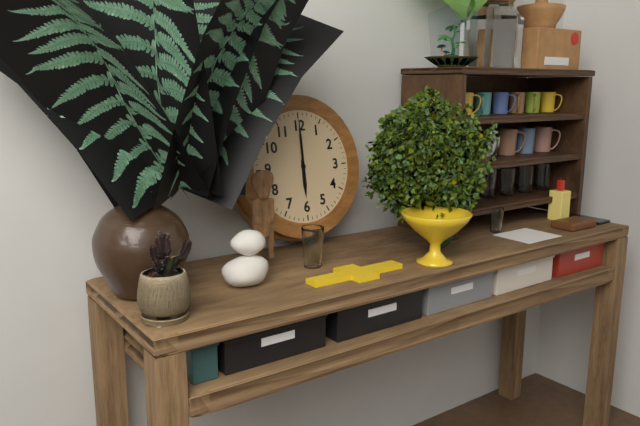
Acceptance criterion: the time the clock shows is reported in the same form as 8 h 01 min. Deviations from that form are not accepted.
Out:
6 h 00 min
